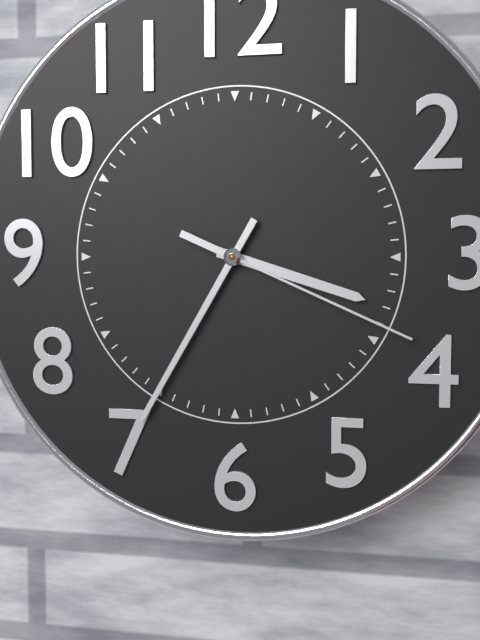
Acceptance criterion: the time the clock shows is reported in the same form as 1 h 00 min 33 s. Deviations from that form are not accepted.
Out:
3 h 35 min 19 s
